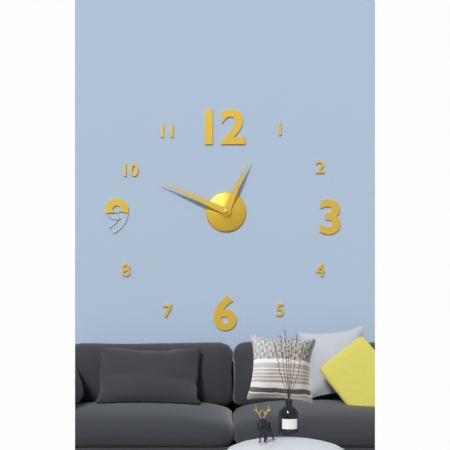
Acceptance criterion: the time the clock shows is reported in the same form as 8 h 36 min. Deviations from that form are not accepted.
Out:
12 h 49 min
